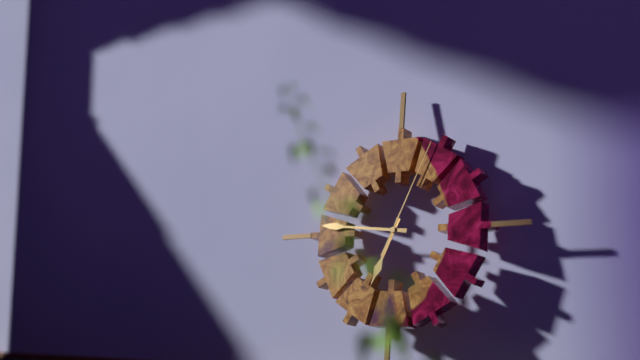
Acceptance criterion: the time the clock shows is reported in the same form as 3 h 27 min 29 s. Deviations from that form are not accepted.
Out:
6 h 46 min 04 s
